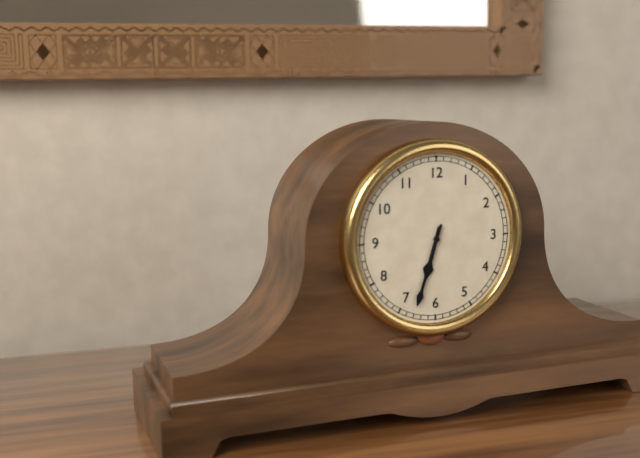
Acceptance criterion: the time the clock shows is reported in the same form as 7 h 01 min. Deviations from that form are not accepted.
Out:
6 h 33 min
